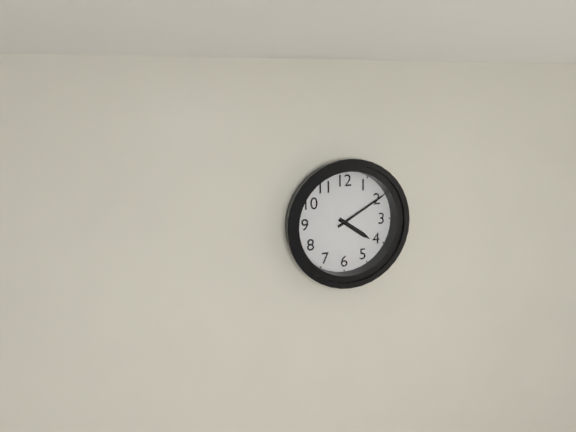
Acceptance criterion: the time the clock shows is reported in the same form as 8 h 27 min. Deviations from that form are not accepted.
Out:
4 h 10 min
